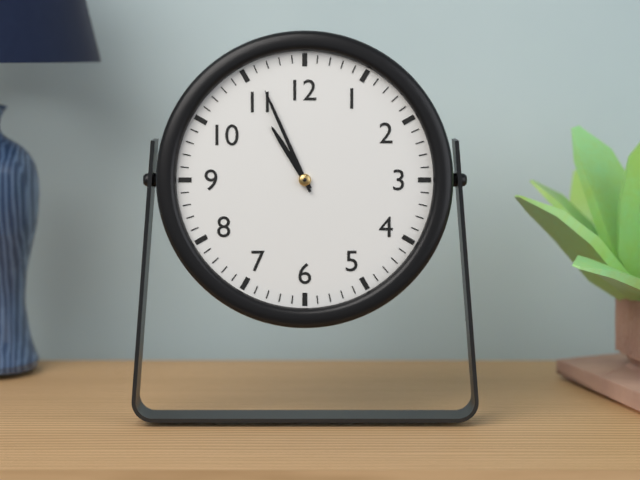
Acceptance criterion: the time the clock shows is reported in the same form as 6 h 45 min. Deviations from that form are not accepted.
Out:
10 h 56 min
